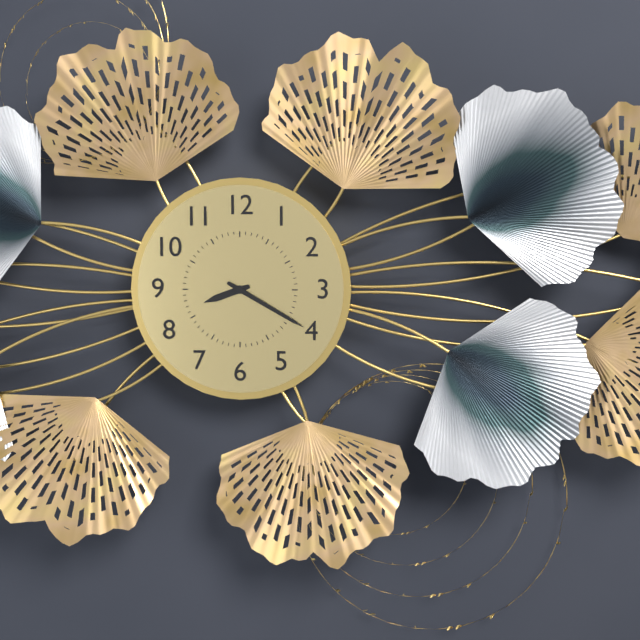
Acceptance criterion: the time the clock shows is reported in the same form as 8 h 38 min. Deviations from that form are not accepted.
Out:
8 h 20 min
